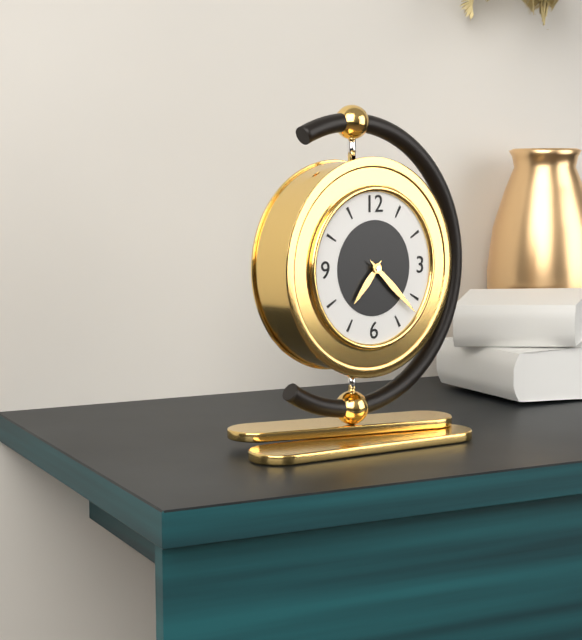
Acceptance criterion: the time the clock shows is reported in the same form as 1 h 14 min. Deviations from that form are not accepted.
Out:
7 h 22 min
